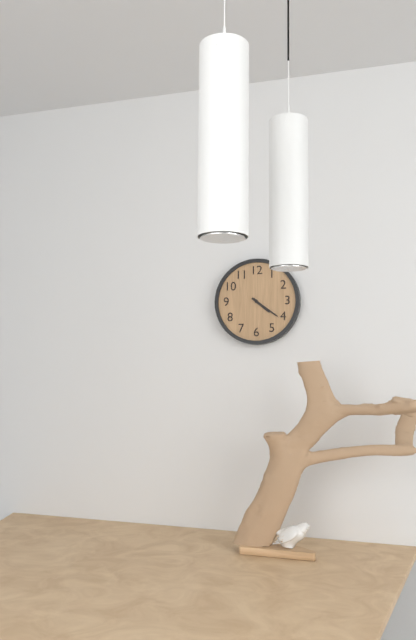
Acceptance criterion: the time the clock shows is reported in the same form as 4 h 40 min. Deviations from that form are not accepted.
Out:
4 h 21 min
